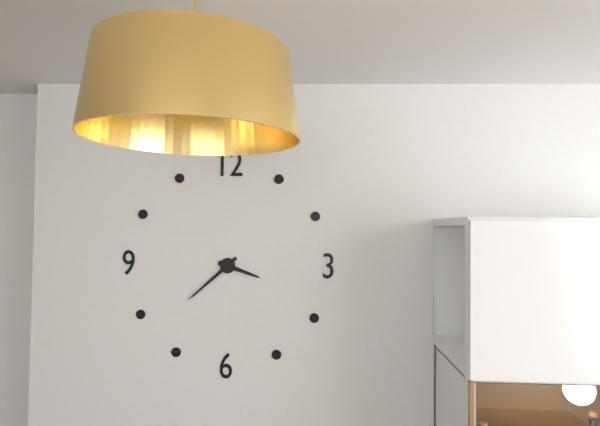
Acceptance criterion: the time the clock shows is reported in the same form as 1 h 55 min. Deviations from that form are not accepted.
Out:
3 h 38 min
